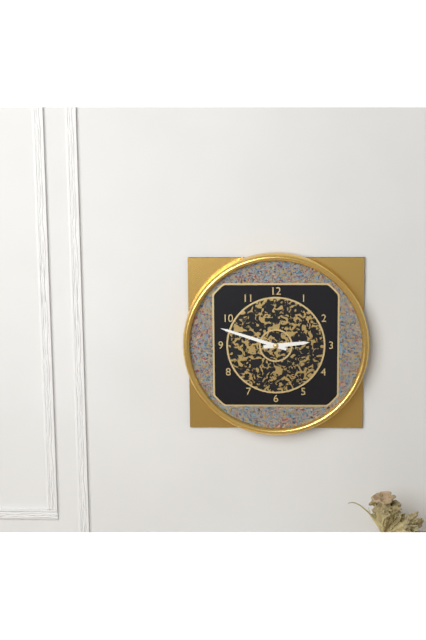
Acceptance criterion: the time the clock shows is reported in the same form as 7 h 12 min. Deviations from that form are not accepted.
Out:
2 h 48 min
